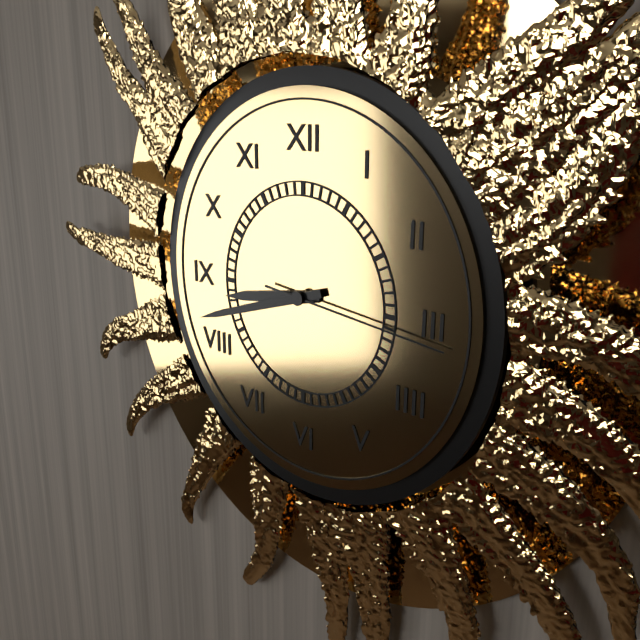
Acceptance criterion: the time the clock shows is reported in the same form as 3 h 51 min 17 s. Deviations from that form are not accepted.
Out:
8 h 42 min 16 s
